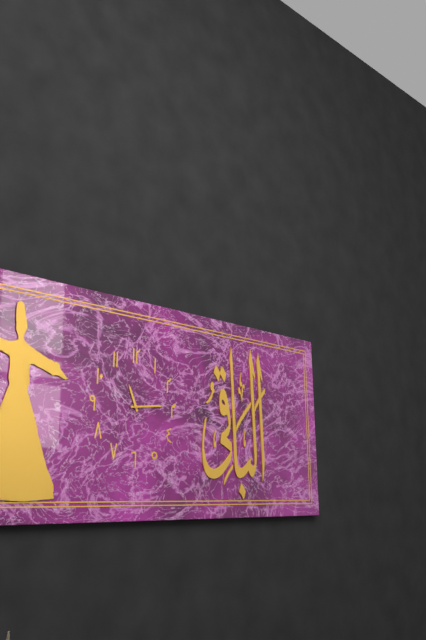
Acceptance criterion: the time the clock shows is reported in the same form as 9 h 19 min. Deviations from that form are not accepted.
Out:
11 h 14 min
